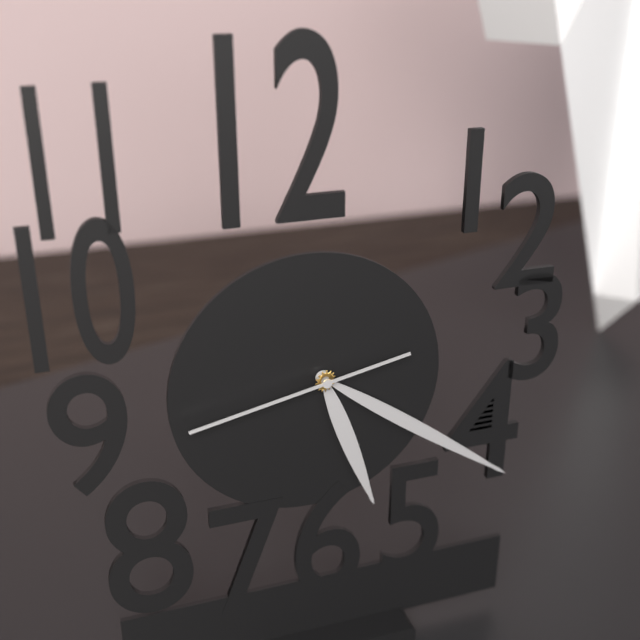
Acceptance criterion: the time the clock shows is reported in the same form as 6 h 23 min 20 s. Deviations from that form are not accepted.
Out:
5 h 21 min 43 s
